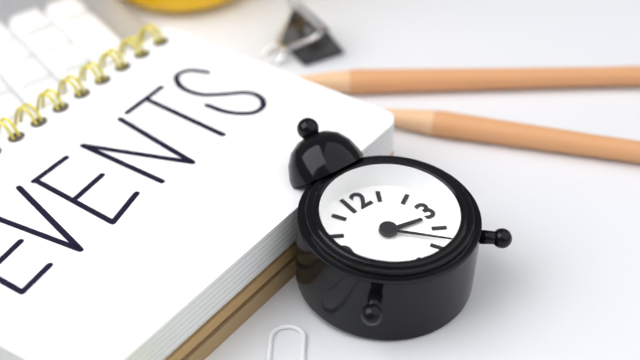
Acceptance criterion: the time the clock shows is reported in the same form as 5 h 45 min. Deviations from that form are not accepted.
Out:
3 h 23 min
